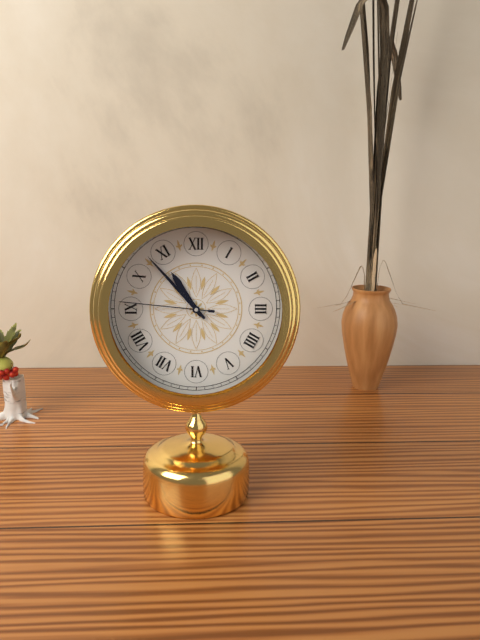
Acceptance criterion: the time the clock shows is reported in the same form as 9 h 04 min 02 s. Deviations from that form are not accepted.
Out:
10 h 53 min 46 s
